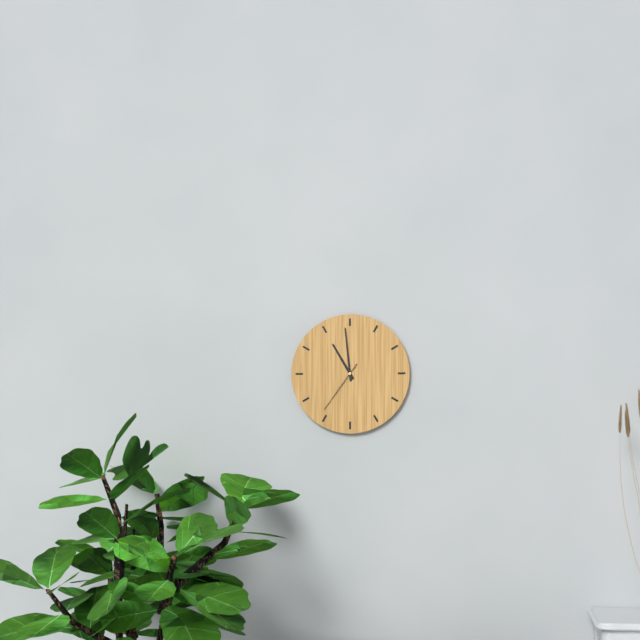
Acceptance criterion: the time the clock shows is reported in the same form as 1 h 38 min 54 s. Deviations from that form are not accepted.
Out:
10 h 59 min 36 s
